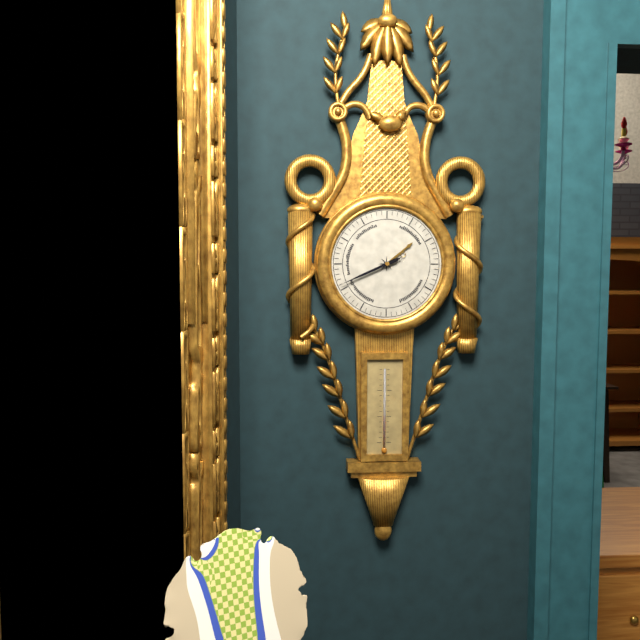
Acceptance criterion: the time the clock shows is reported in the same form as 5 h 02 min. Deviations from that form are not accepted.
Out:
1 h 41 min
